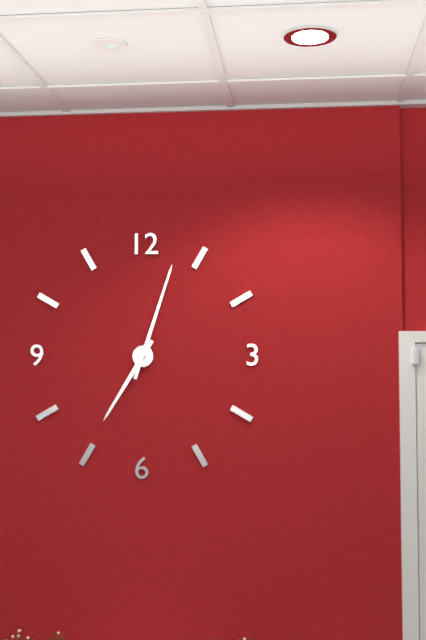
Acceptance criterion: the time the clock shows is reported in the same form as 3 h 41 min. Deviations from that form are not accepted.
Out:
7 h 03 min
